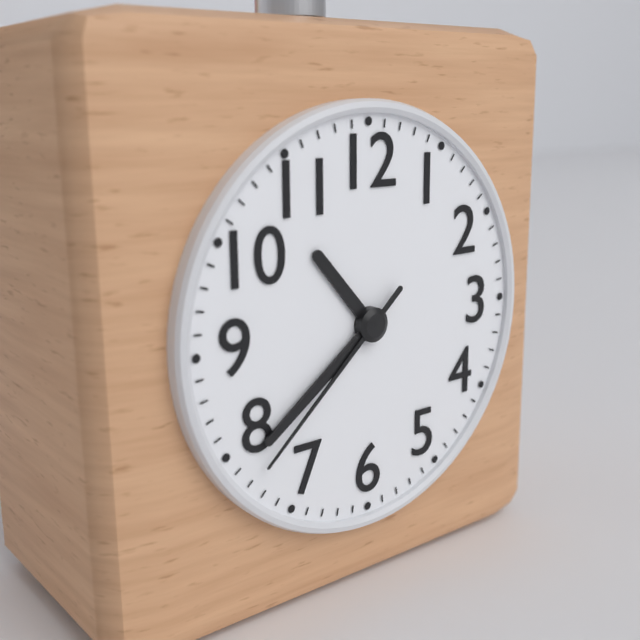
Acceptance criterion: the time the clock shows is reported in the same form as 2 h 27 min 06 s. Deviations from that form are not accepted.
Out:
10 h 39 min 38 s
